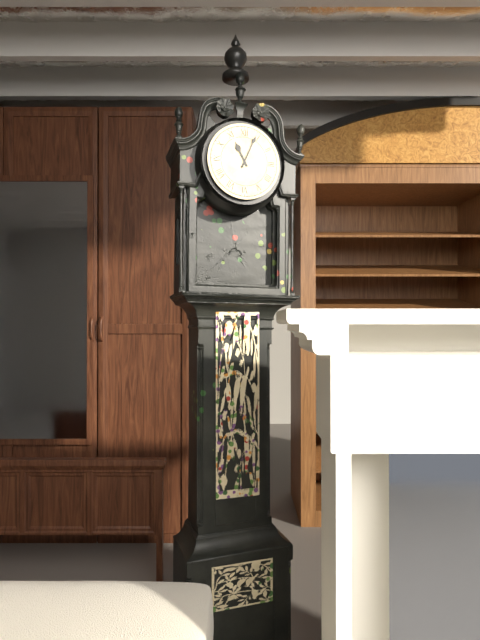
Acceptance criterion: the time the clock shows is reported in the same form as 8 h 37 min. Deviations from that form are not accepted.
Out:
11 h 04 min
